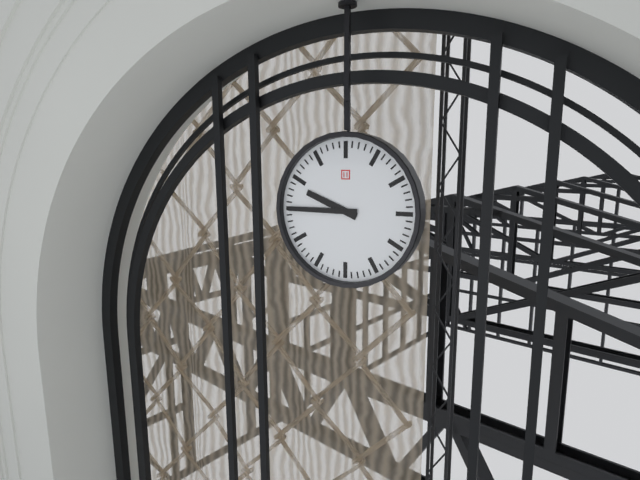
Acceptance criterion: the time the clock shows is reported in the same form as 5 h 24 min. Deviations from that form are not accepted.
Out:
9 h 45 min
